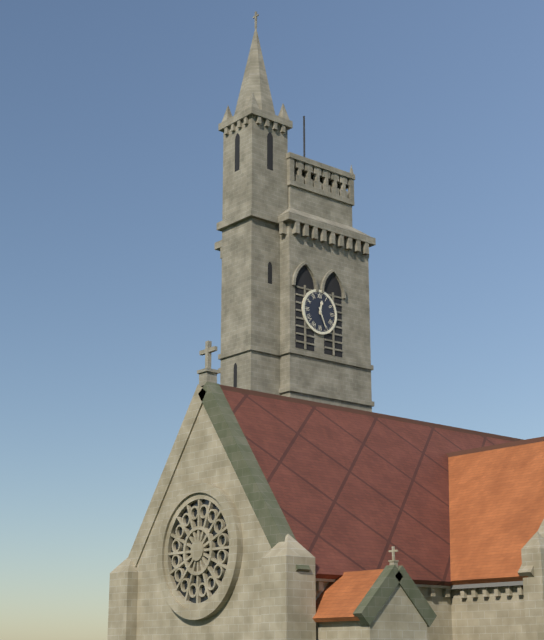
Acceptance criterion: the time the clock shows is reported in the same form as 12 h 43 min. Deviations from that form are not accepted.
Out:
12 h 26 min
